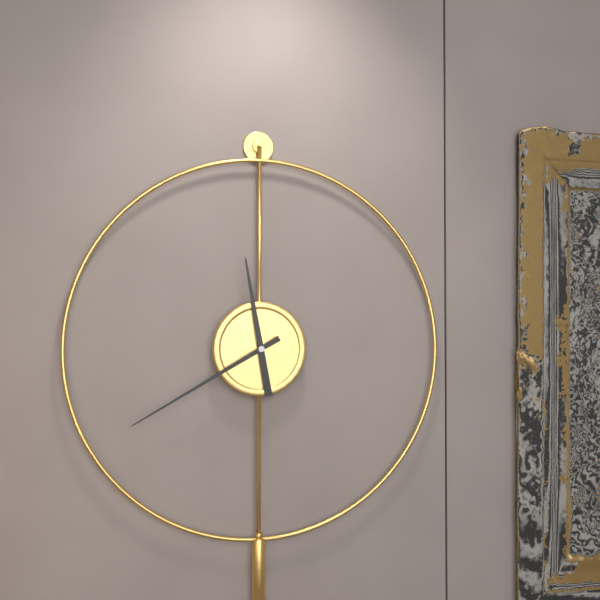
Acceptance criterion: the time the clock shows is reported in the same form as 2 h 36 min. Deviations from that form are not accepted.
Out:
11 h 40 min
